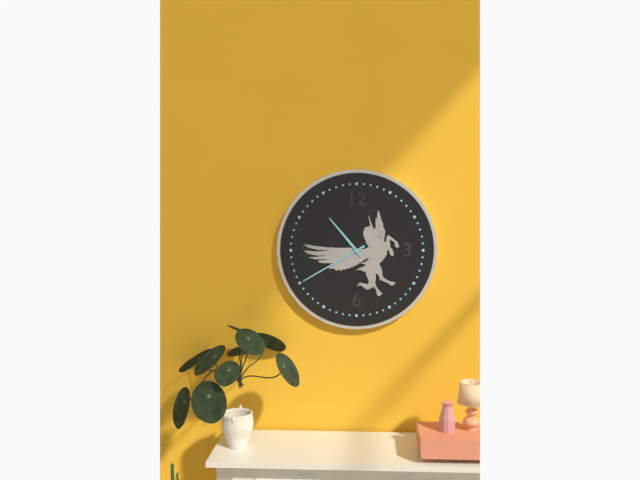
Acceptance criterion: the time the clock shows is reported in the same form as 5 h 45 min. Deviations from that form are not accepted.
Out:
10 h 40 min
